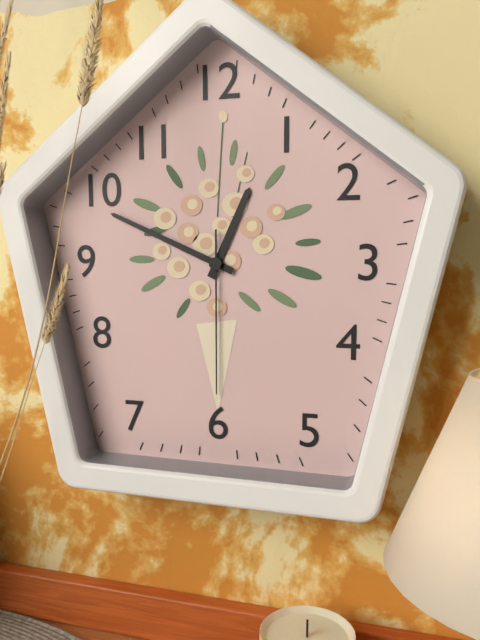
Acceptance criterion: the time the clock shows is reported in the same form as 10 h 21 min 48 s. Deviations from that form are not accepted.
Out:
12 h 49 min 30 s
